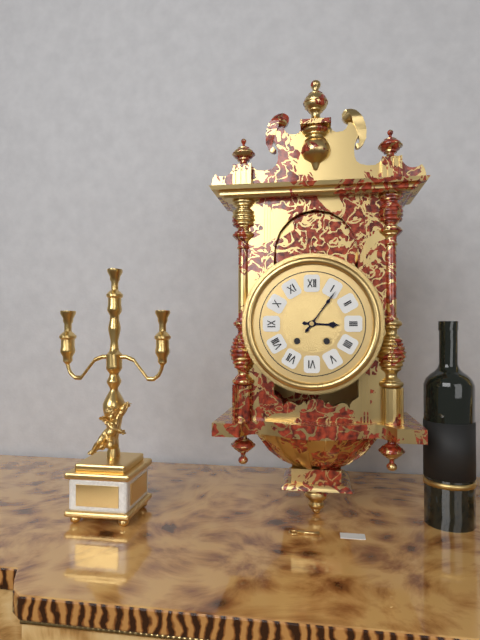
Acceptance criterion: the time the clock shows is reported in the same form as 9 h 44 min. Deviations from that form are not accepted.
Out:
3 h 06 min
